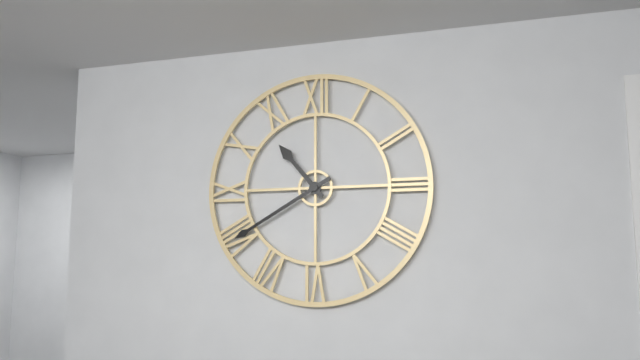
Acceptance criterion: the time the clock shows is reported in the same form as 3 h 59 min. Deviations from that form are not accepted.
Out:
10 h 40 min
